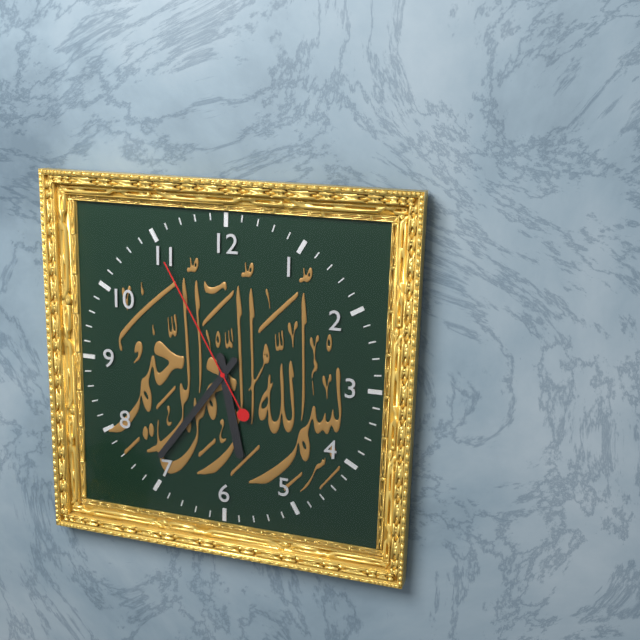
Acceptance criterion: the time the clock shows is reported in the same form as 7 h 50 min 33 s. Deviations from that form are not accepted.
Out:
5 h 36 min 55 s
